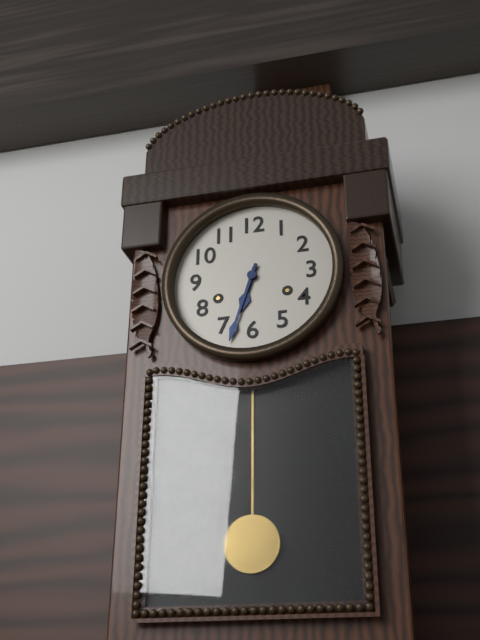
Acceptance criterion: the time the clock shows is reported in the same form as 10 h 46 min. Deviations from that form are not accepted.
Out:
6 h 33 min
